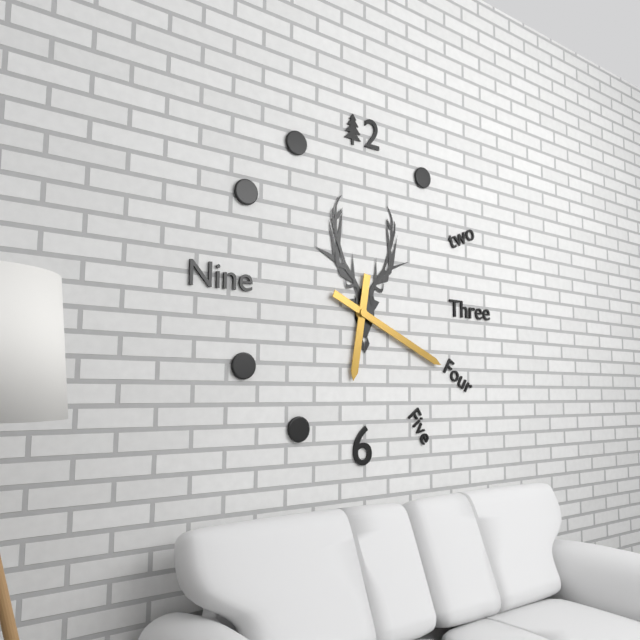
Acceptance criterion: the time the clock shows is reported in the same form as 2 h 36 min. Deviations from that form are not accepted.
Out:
6 h 19 min
